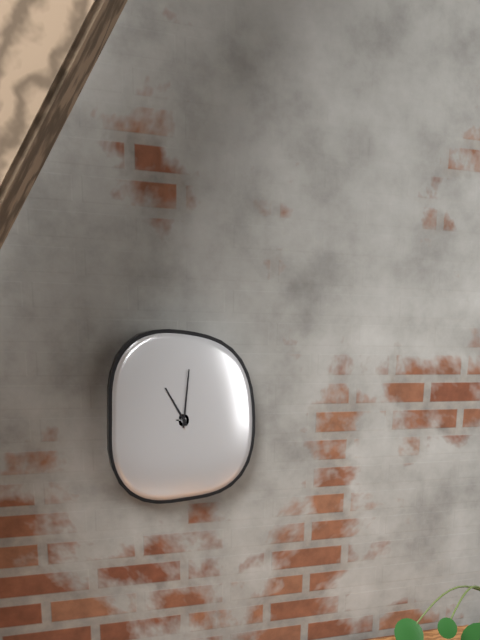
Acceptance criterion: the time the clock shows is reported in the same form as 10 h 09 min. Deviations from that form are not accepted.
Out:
11 h 01 min
